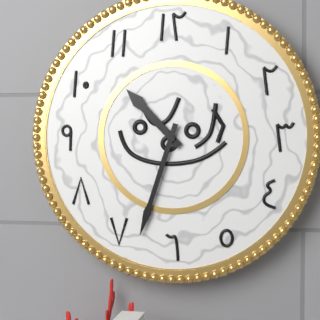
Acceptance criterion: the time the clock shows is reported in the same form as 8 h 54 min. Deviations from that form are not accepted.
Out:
10 h 33 min
